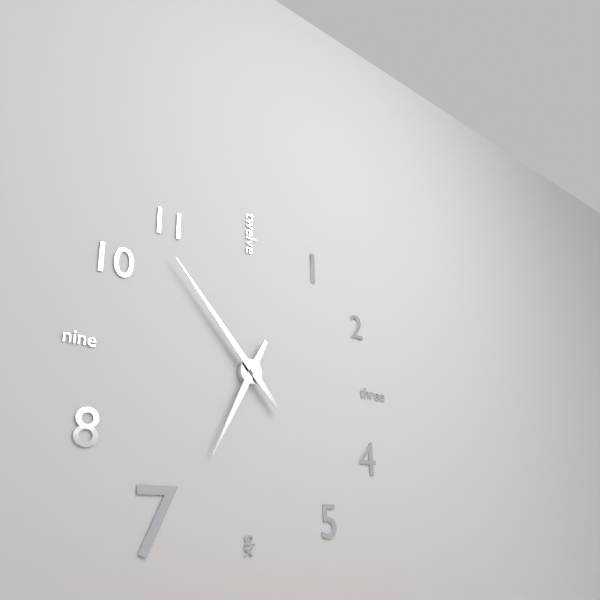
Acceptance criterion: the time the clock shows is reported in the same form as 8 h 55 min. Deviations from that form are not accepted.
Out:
6 h 53 min
